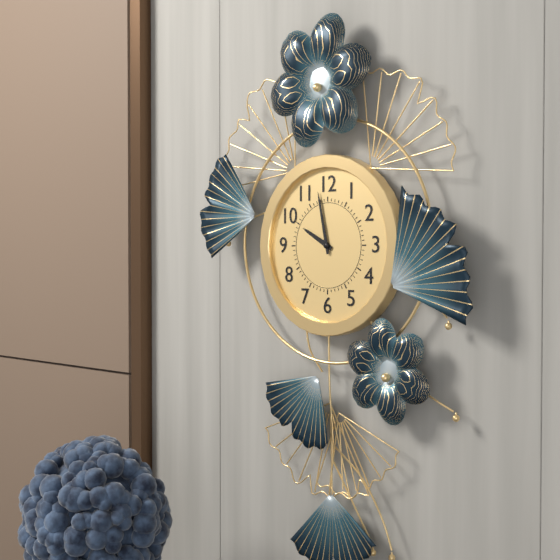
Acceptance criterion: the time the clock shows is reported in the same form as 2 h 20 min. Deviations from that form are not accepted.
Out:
9 h 58 min
